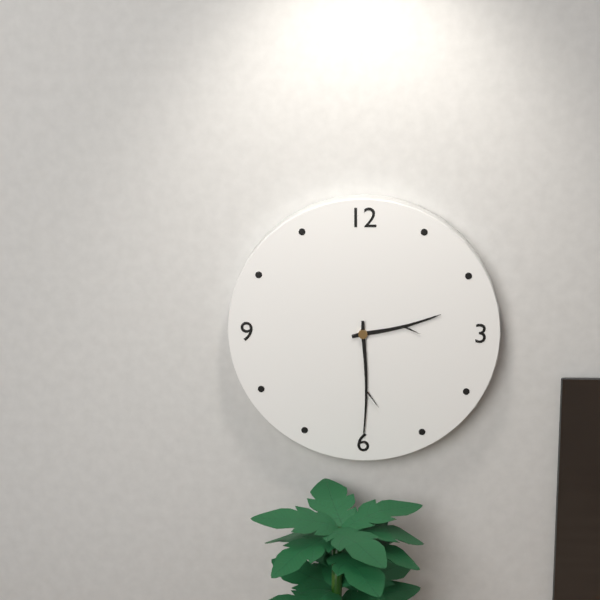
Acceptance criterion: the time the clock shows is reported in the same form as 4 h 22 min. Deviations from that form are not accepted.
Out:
2 h 30 min
